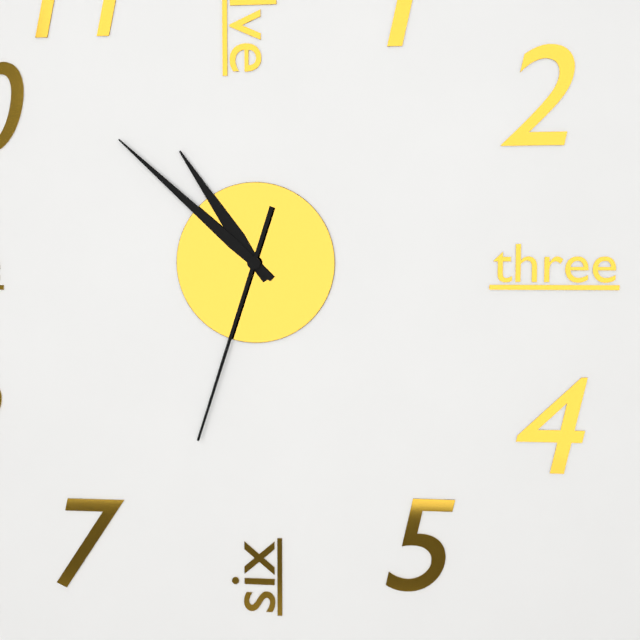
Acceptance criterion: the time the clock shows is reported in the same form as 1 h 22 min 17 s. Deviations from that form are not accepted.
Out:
10 h 52 min 33 s
